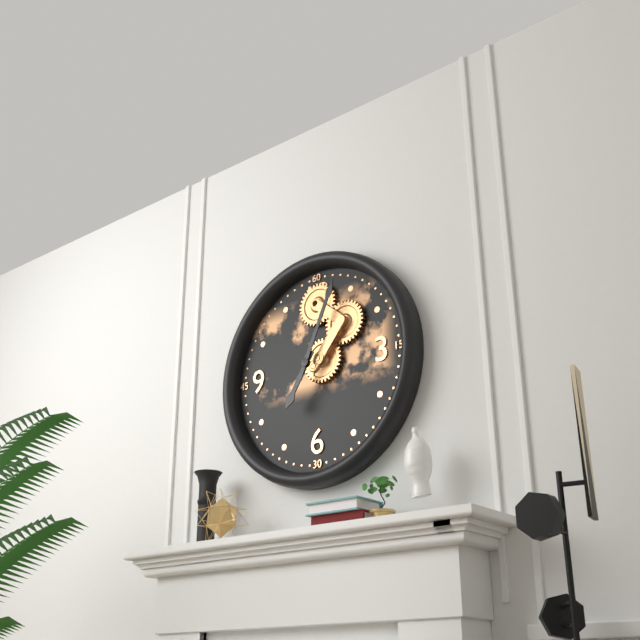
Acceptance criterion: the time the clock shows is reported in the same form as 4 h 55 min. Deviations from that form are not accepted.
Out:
7 h 04 min
